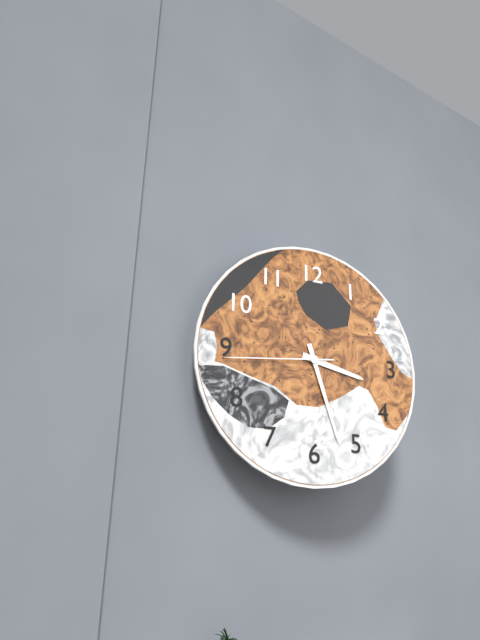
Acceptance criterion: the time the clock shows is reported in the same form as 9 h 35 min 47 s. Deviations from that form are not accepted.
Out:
3 h 27 min 44 s
